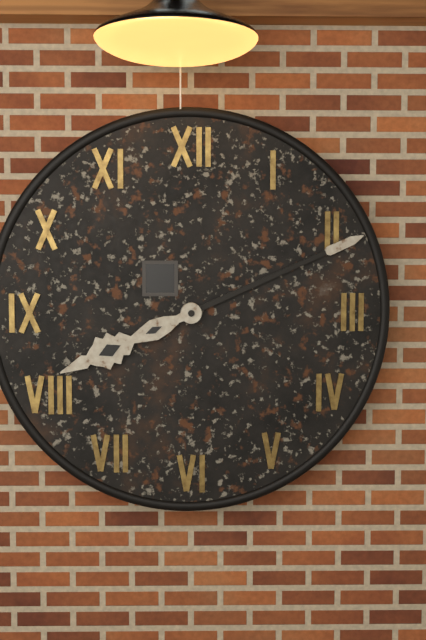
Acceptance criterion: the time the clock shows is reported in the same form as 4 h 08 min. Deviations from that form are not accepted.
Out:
8 h 11 min
